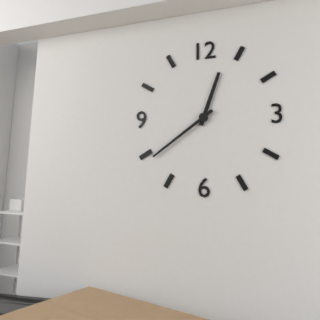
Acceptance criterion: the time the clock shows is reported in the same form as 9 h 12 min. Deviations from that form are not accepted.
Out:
12 h 39 min
